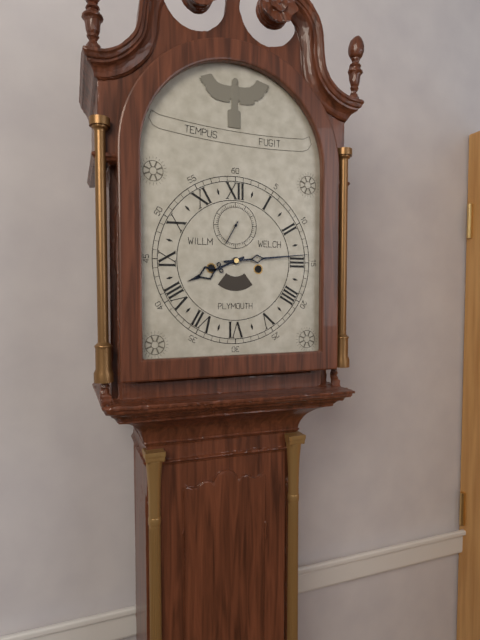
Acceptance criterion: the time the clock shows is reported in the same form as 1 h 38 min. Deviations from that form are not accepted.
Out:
8 h 14 min
